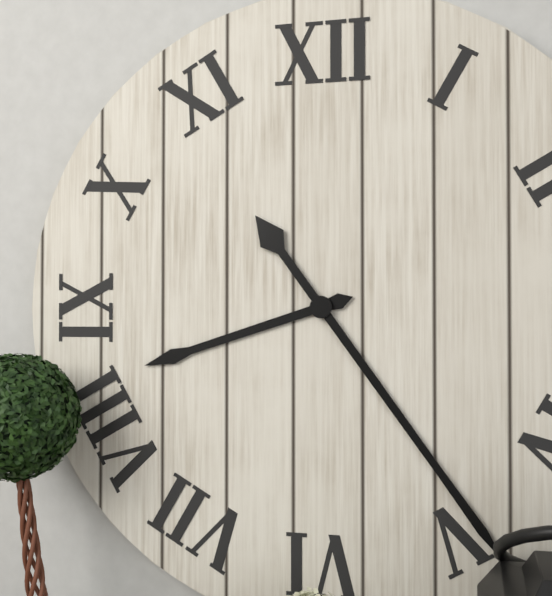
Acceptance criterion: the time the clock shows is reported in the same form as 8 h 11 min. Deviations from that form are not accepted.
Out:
8 h 24 min
